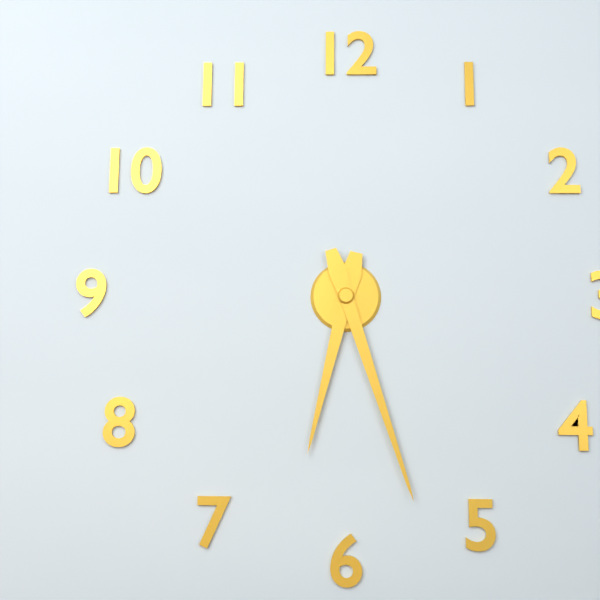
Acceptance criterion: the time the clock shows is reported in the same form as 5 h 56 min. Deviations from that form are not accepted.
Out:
6 h 27 min
